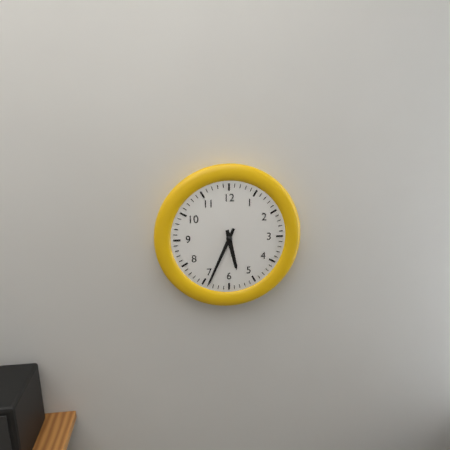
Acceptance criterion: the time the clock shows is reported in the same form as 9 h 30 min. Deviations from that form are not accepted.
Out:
5 h 34 min
